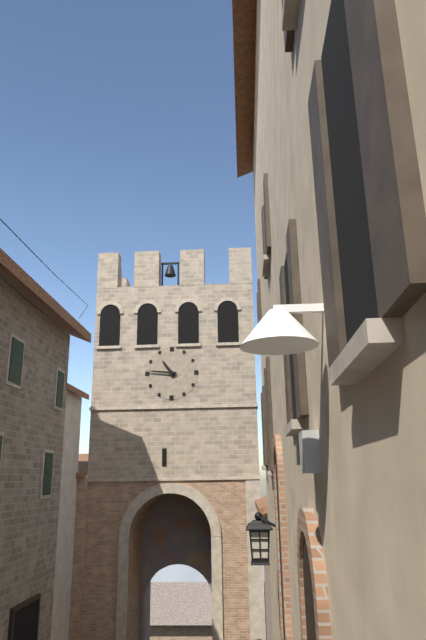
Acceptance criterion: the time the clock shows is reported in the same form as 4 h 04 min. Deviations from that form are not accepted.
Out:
10 h 46 min
